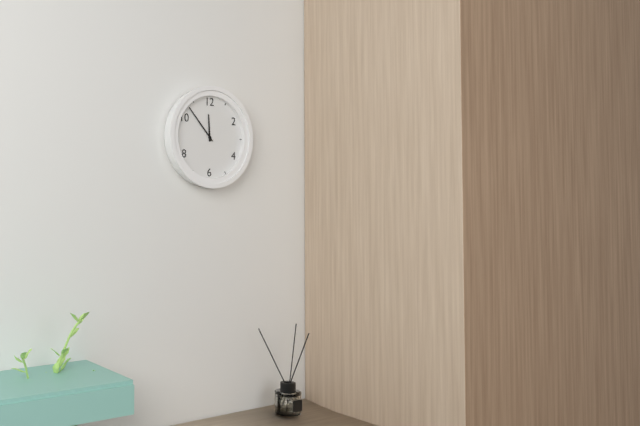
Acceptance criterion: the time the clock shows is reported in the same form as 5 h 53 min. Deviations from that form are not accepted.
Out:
11 h 53 min
